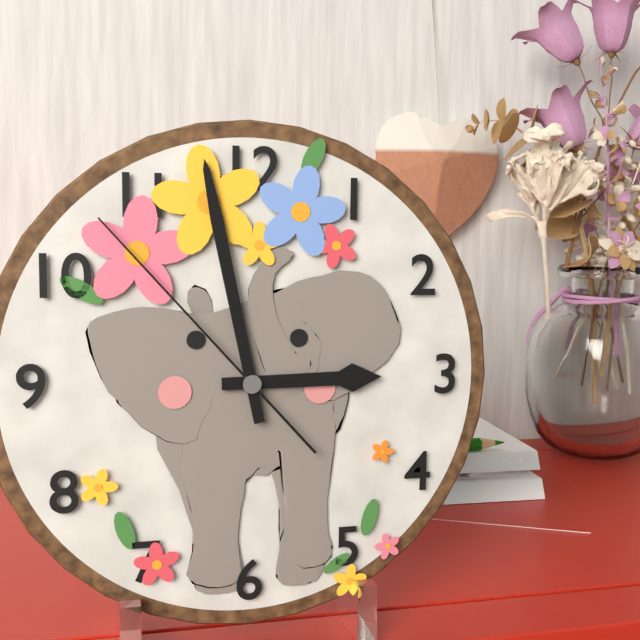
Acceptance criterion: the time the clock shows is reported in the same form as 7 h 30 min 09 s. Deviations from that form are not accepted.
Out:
2 h 58 min 53 s
